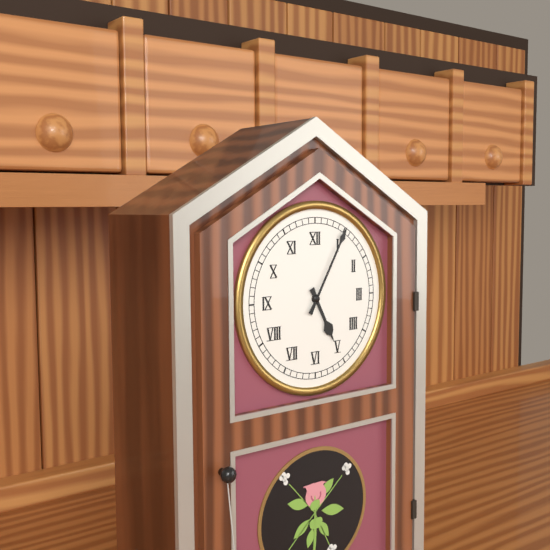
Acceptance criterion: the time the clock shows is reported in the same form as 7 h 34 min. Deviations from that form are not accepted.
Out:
5 h 05 min
